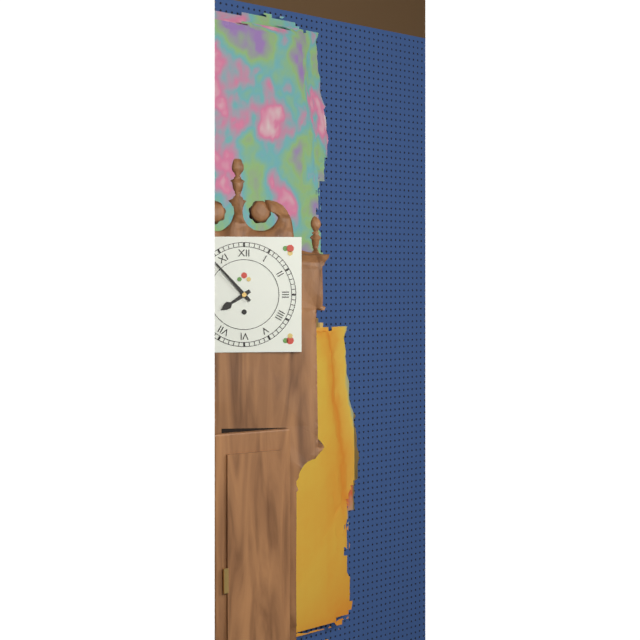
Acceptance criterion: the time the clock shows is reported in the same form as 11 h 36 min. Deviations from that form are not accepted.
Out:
7 h 53 min
